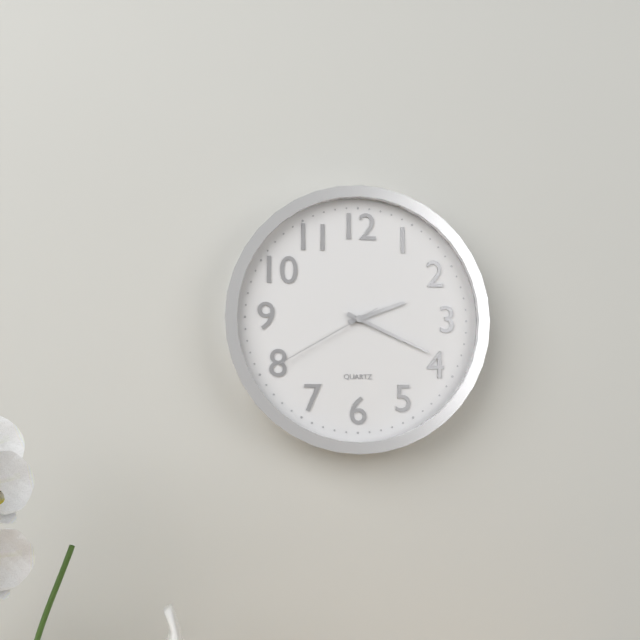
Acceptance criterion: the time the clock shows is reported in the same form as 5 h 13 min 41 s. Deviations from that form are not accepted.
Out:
2 h 19 min 40 s
